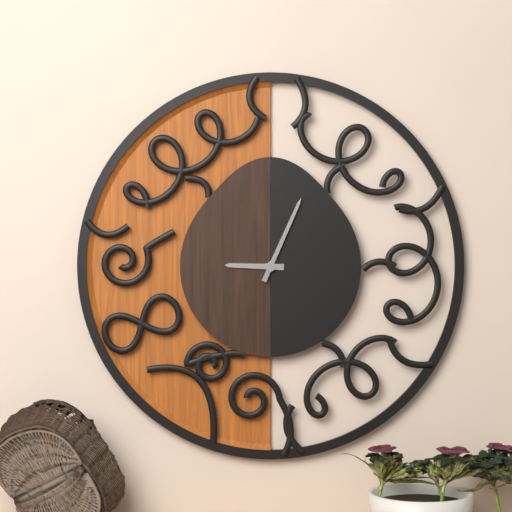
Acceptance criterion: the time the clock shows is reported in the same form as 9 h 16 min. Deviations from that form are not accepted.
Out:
9 h 04 min
